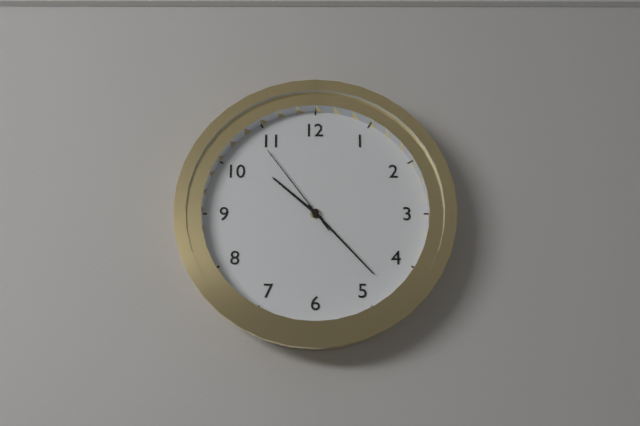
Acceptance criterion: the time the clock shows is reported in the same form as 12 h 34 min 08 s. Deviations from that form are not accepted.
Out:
10 h 23 min 54 s
